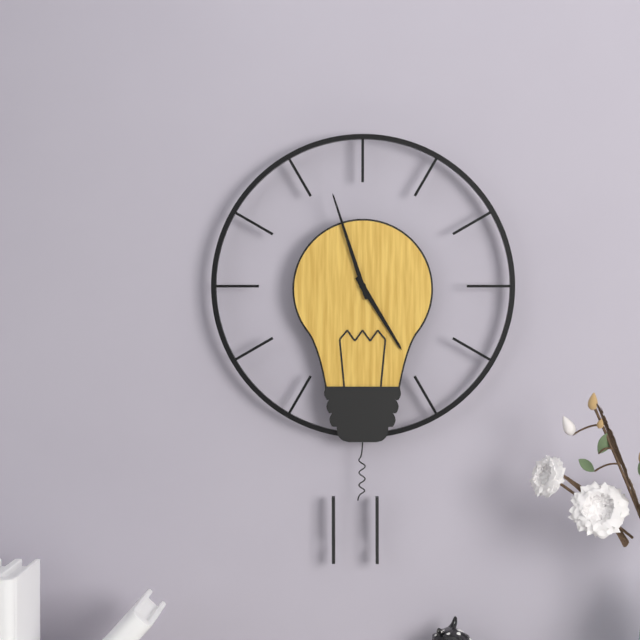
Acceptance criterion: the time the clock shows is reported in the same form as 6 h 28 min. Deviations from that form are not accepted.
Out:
4 h 57 min
